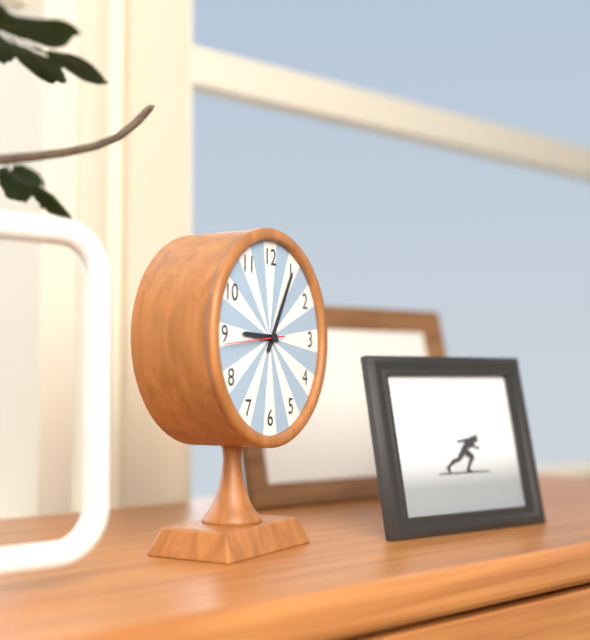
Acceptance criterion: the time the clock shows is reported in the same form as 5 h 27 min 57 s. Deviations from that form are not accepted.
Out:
9 h 05 min 44 s
